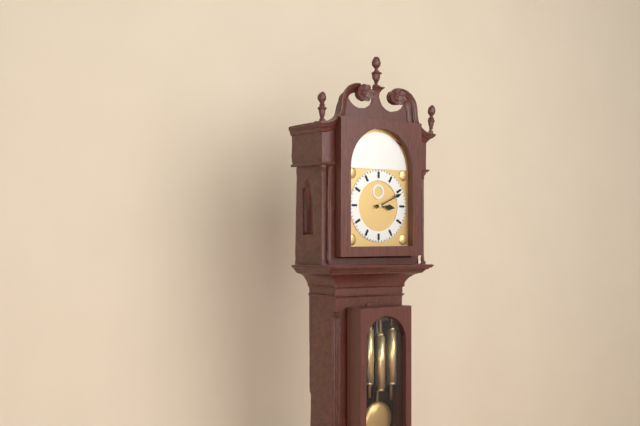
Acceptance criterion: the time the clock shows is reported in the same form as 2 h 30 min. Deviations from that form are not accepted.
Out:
3 h 11 min
